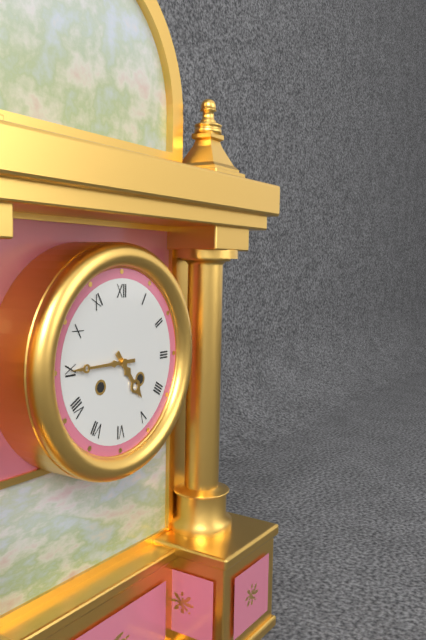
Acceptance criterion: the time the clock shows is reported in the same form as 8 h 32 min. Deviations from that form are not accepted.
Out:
4 h 45 min
